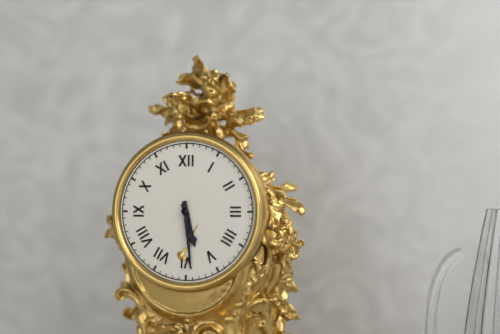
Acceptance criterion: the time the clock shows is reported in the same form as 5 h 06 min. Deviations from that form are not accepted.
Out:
5 h 29 min
